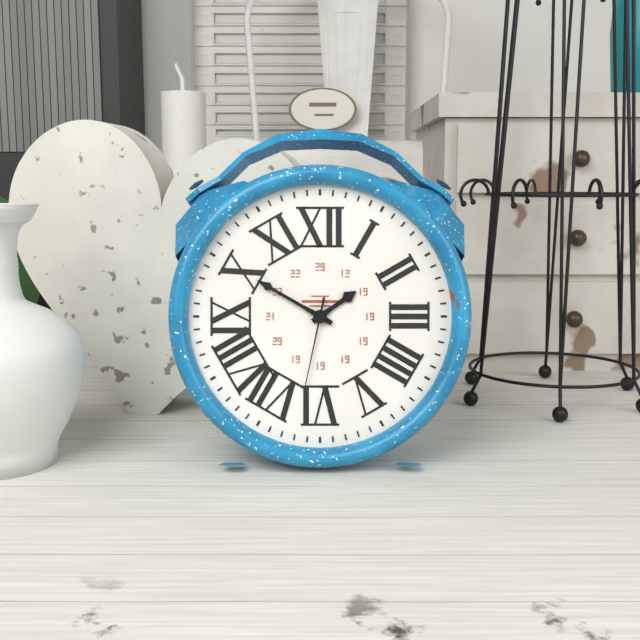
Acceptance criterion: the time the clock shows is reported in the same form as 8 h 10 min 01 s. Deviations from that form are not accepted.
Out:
1 h 50 min 32 s
